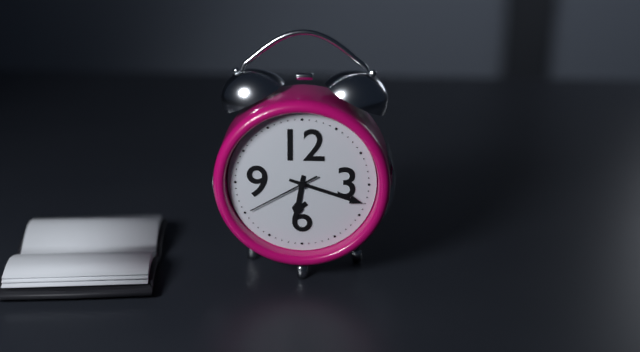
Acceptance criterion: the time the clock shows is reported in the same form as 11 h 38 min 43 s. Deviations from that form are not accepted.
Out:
6 h 18 min 40 s
